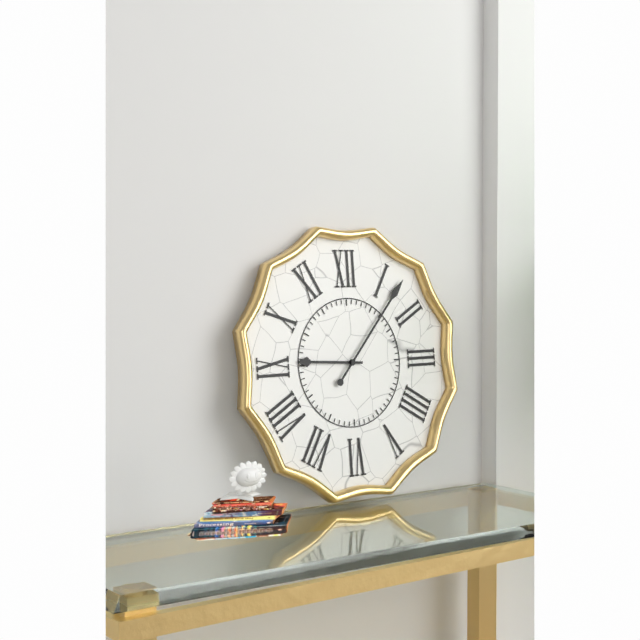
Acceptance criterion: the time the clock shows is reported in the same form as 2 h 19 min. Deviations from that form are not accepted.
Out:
9 h 07 min
